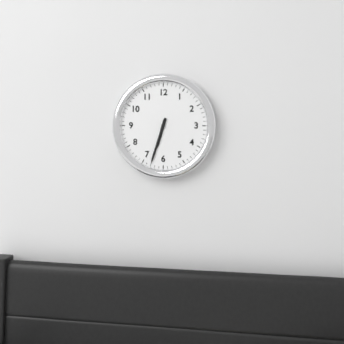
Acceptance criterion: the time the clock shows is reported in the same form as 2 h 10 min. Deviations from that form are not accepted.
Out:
6 h 33 min
